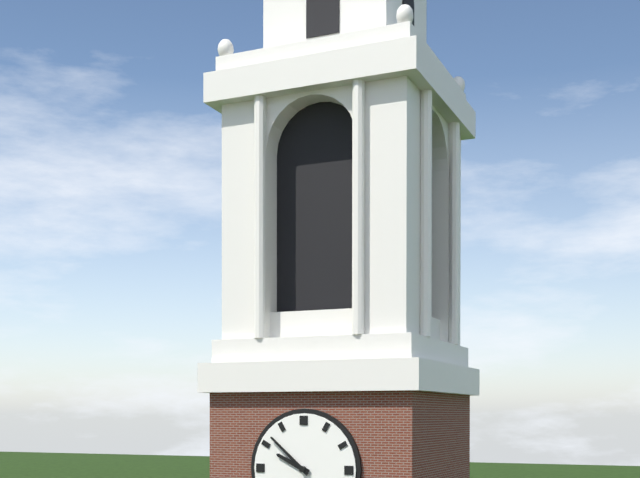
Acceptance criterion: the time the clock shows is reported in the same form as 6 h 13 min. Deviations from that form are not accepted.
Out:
9 h 52 min
